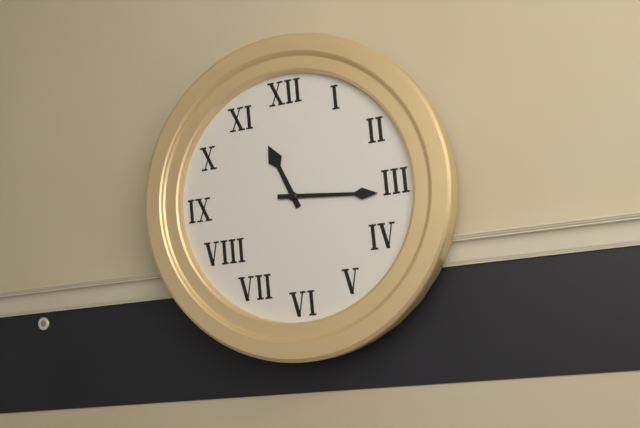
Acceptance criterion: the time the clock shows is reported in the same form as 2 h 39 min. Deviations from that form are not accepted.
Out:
11 h 16 min
